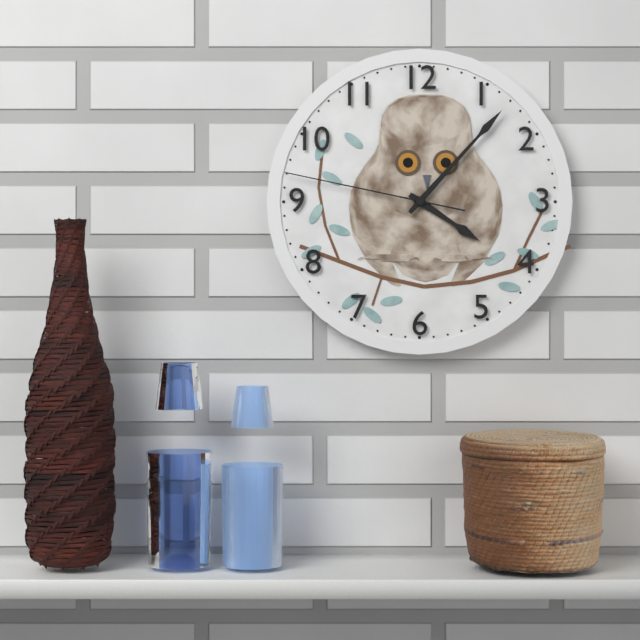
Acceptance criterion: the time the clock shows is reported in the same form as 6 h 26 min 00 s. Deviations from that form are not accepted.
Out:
4 h 07 min 47 s
